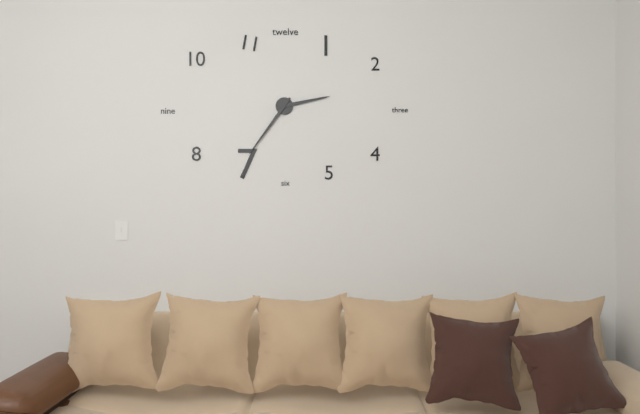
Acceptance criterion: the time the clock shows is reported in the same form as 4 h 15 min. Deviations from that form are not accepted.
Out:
2 h 36 min
